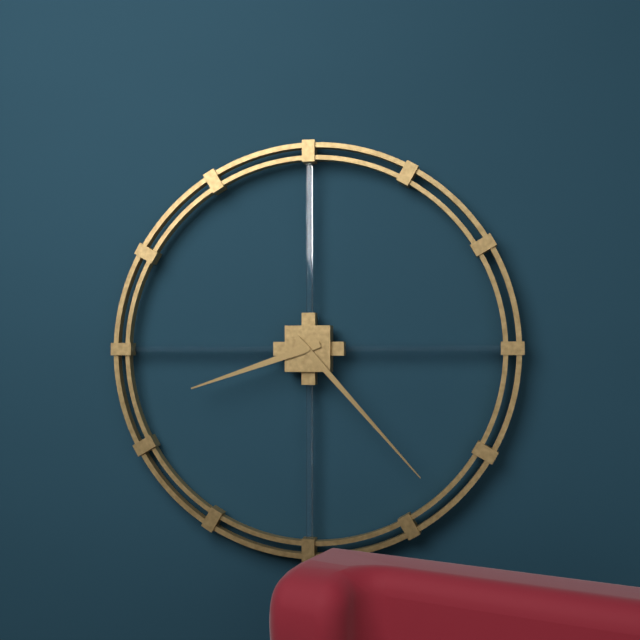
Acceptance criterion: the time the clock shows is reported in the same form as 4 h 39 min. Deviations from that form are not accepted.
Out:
8 h 23 min
